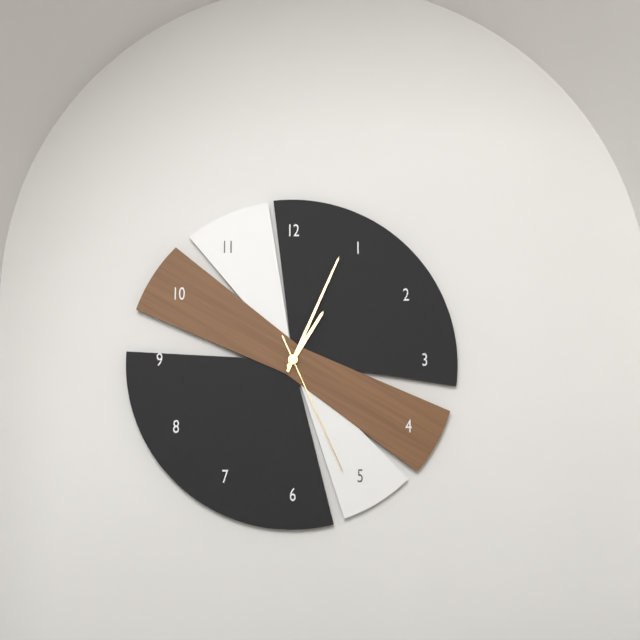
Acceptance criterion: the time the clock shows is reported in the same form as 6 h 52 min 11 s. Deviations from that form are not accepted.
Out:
1 h 04 min 26 s
